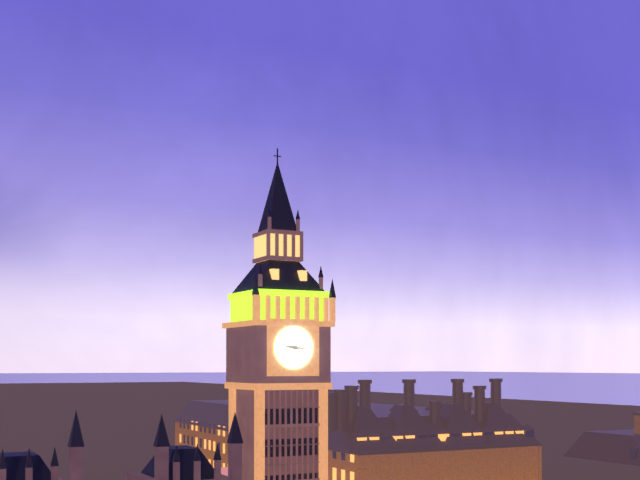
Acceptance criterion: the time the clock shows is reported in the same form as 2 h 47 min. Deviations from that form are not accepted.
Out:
9 h 16 min
